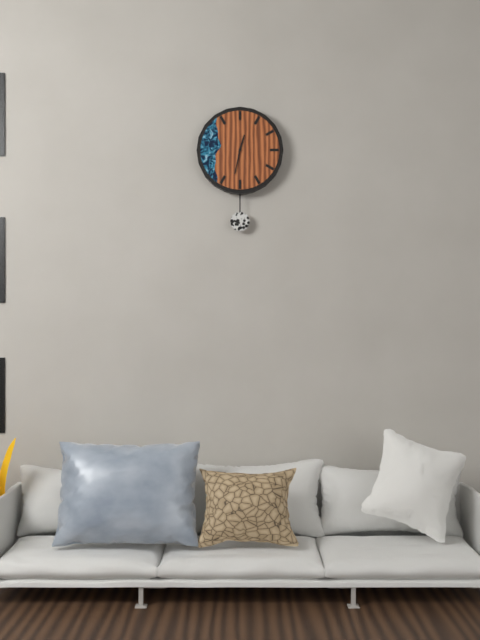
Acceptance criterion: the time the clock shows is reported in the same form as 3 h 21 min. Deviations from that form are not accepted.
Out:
12 h 32 min
